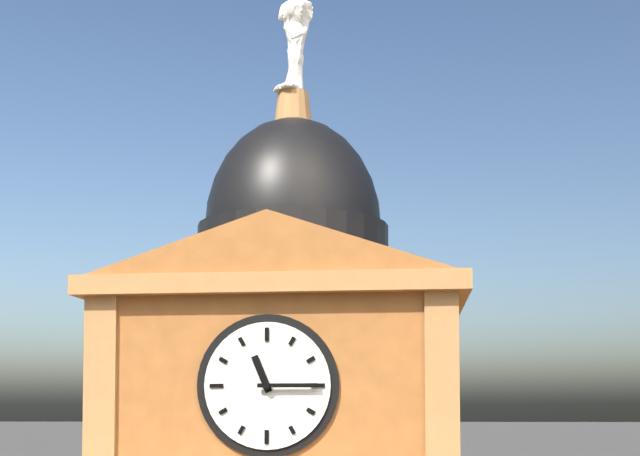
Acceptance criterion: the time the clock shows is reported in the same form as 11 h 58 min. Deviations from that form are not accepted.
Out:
11 h 15 min
